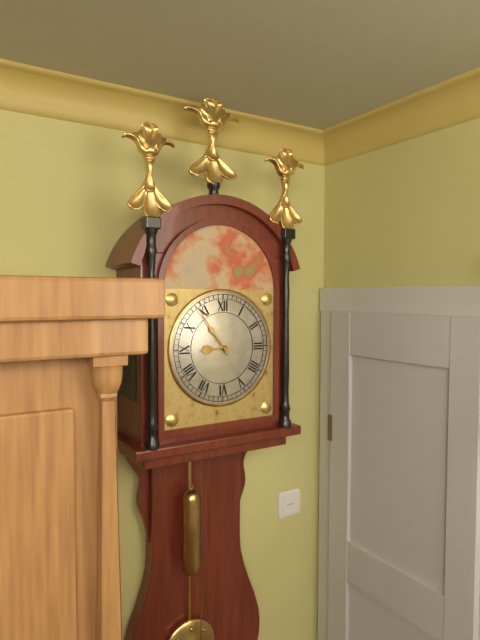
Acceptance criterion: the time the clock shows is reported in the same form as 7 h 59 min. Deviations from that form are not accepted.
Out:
8 h 54 min
